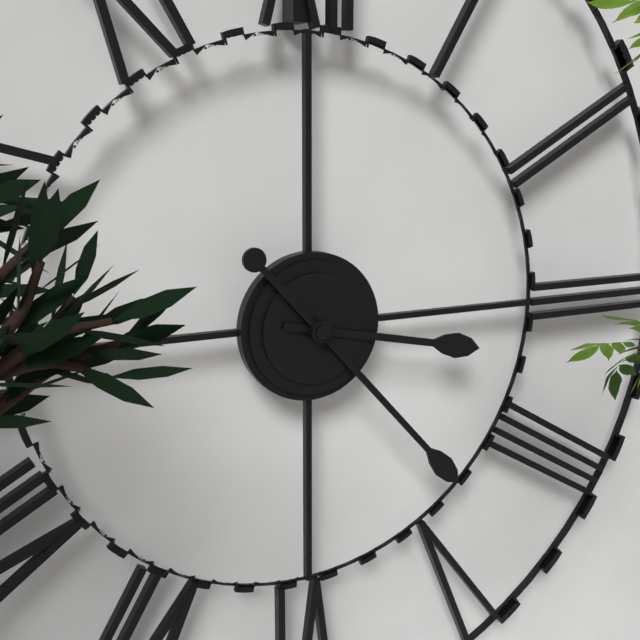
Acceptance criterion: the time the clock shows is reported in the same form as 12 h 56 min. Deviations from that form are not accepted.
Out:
3 h 23 min
